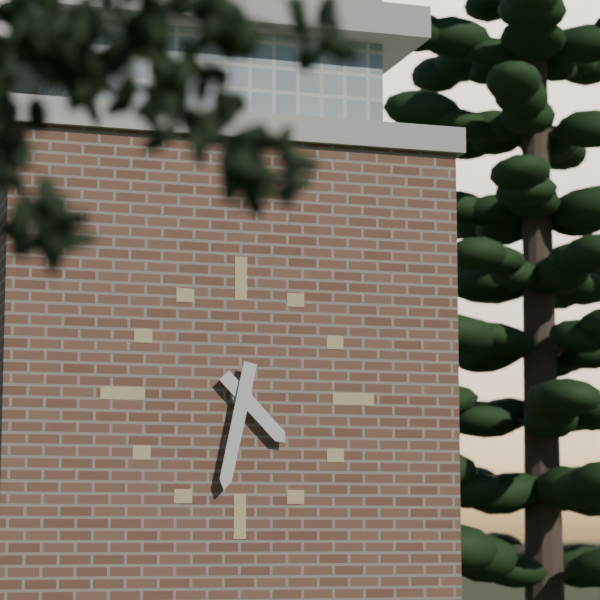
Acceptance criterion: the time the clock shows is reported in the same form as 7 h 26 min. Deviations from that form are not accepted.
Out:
4 h 32 min
